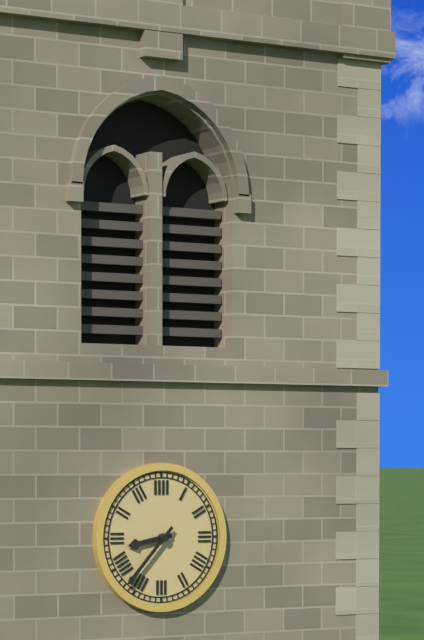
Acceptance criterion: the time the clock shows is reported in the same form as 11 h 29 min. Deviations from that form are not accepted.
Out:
8 h 37 min
